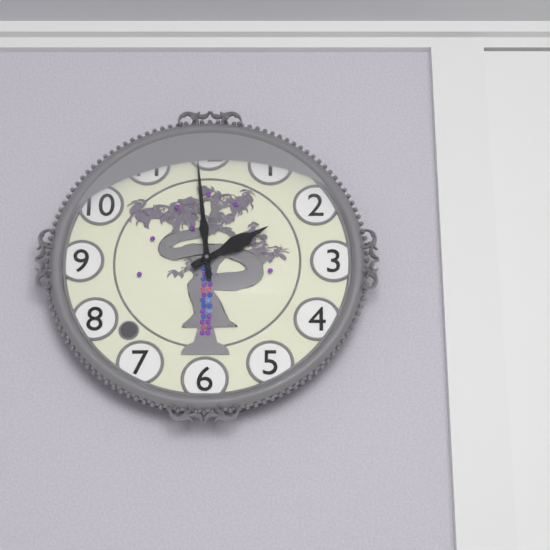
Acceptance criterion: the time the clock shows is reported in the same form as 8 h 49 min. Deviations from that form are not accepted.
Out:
1 h 59 min
